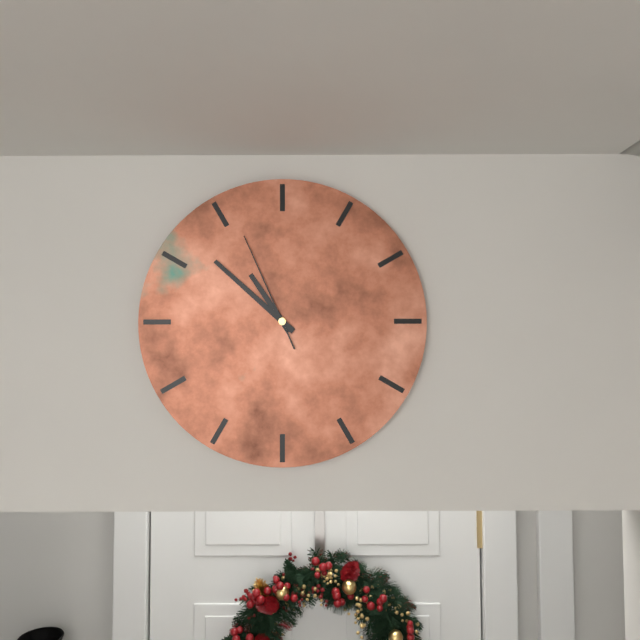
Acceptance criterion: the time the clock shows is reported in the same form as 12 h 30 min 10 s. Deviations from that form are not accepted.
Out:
10 h 52 min 56 s
